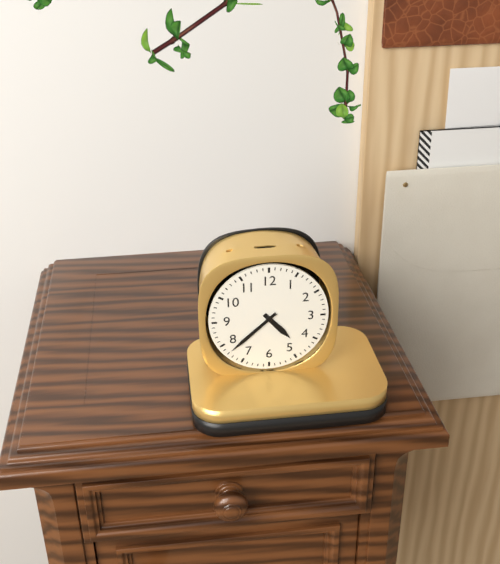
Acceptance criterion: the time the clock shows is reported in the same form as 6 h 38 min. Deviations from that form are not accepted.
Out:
4 h 38 min
